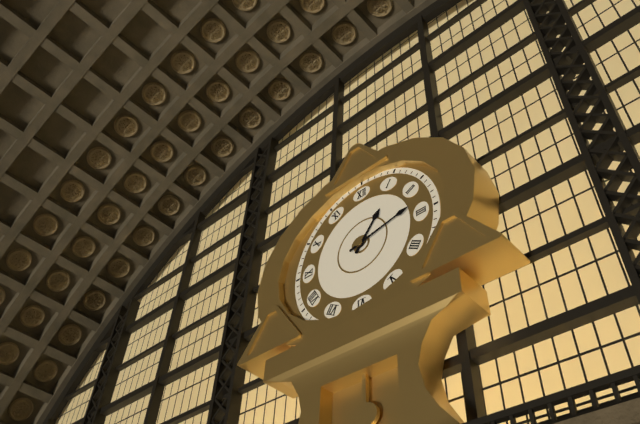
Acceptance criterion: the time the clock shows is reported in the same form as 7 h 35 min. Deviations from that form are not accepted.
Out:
1 h 13 min
